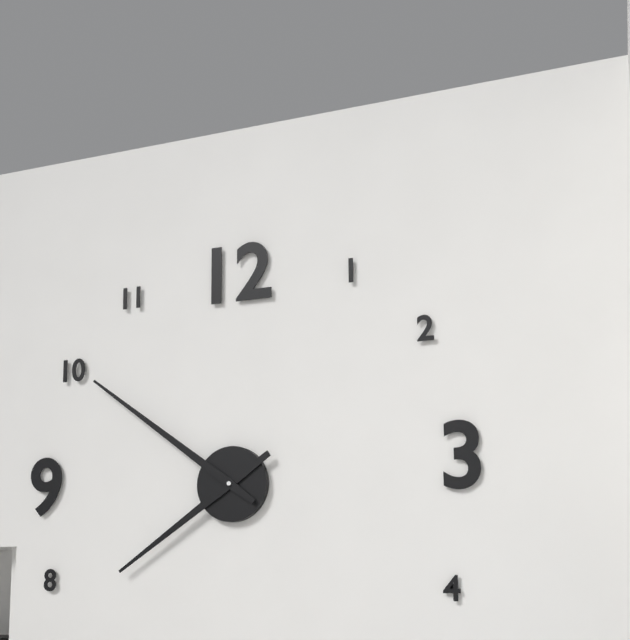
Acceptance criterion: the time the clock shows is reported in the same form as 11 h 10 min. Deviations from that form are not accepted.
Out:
7 h 51 min
